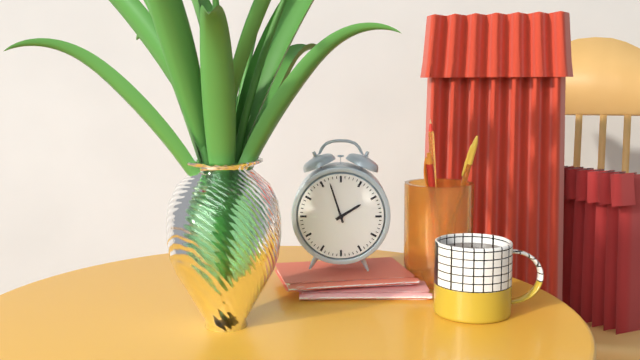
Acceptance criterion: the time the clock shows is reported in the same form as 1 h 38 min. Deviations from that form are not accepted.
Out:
1 h 57 min
